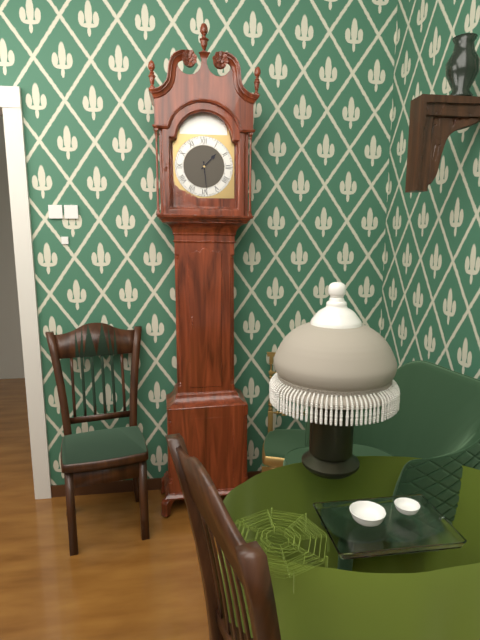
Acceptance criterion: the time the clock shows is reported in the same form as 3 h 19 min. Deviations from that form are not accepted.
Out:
1 h 29 min
